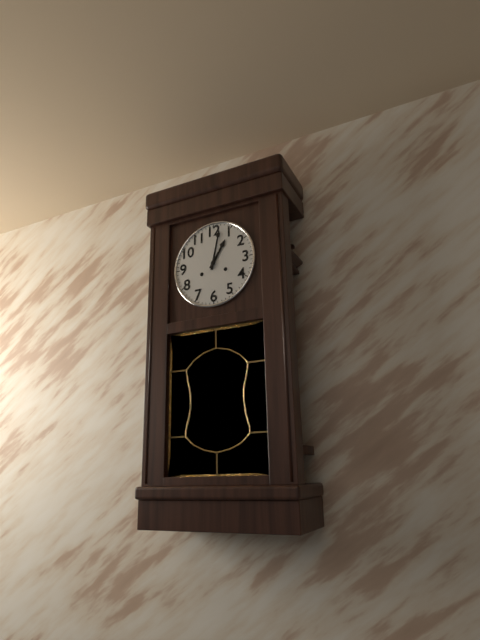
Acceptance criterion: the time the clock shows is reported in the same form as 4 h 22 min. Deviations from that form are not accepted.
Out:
1 h 02 min
